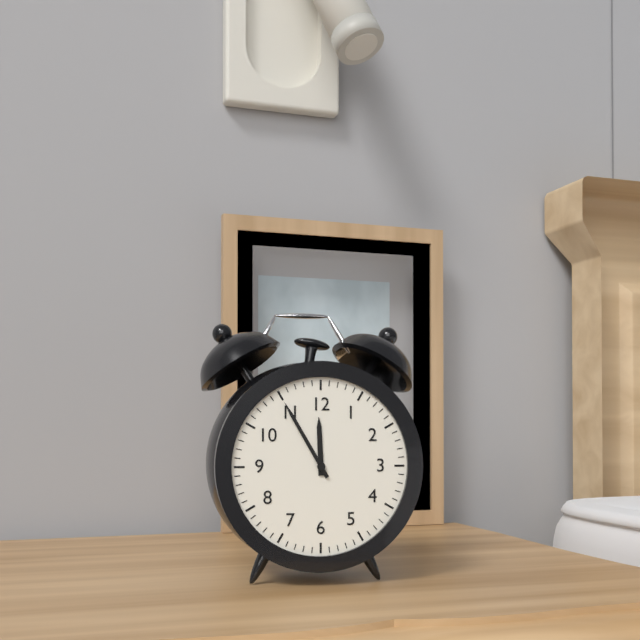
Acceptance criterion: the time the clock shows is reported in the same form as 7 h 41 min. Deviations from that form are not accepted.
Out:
11 h 55 min
